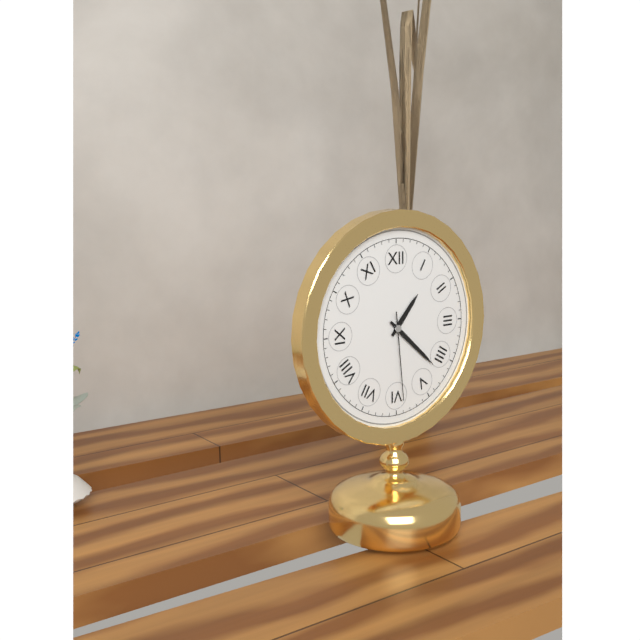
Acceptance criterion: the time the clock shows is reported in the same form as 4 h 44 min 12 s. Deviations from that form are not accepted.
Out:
1 h 22 min 29 s
